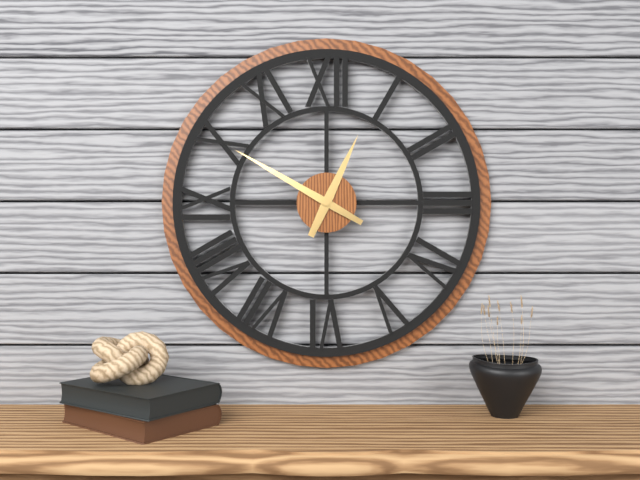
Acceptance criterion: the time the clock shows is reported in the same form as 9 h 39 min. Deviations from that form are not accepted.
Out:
12 h 50 min
